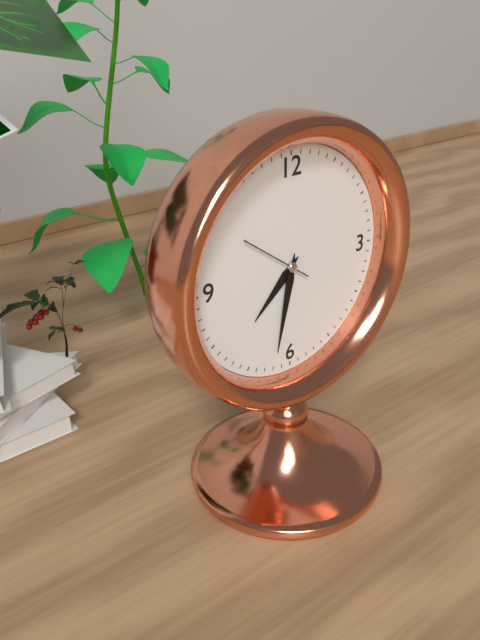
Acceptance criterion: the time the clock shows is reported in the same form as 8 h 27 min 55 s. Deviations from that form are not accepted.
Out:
7 h 32 min 51 s
